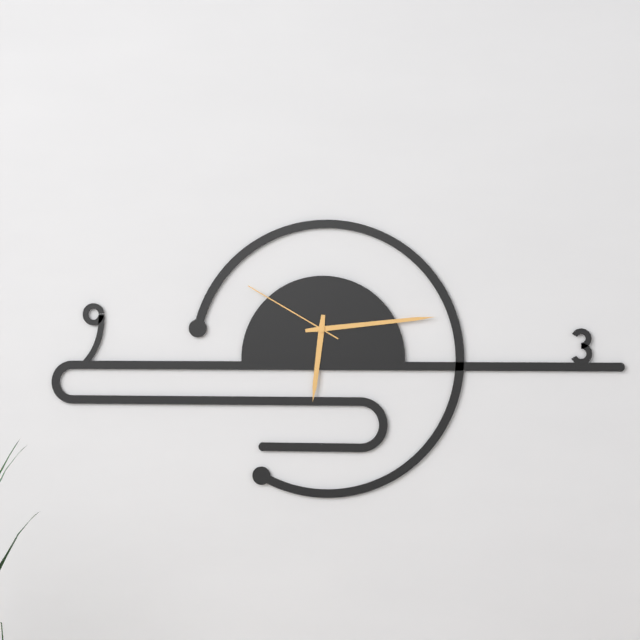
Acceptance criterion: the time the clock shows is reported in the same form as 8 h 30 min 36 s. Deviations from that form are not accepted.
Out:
6 h 14 min 50 s
